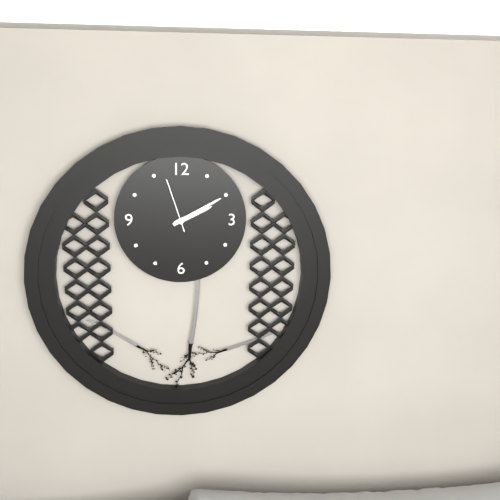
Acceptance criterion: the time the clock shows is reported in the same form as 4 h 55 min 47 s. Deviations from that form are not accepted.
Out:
2 h 10 min 57 s
